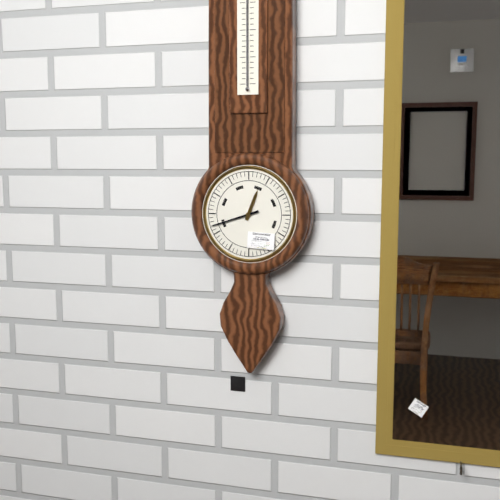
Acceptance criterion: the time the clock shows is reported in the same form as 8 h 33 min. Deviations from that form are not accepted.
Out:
12 h 42 min
